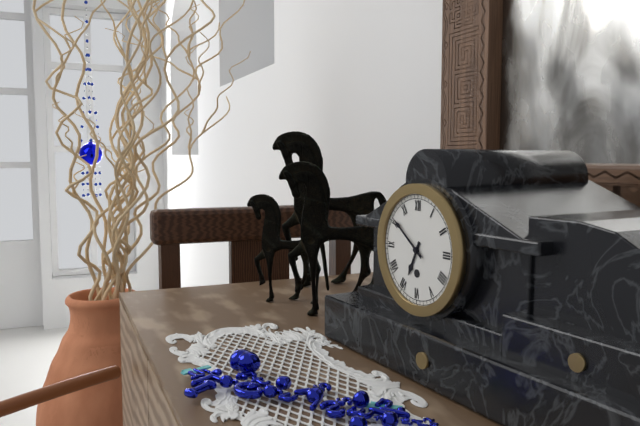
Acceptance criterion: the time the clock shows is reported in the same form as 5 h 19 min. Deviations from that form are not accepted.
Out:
6 h 51 min
